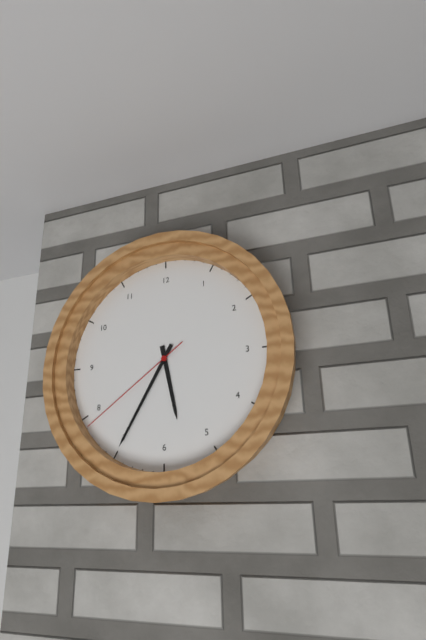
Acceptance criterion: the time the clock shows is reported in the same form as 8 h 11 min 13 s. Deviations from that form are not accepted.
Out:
5 h 35 min 39 s
